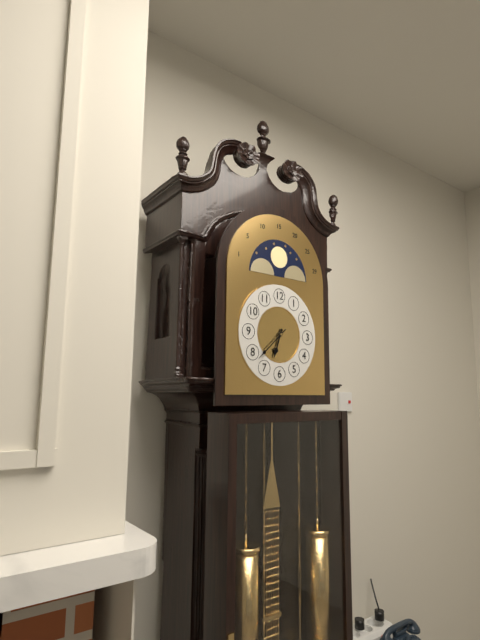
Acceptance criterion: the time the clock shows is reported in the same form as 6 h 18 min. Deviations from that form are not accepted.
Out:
6 h 38 min
